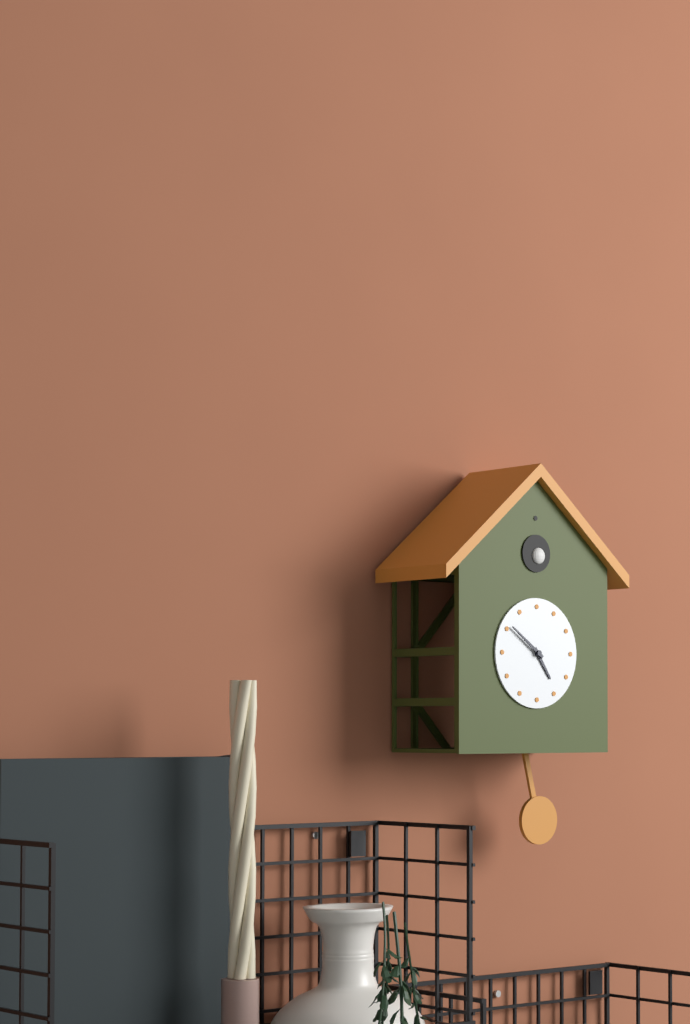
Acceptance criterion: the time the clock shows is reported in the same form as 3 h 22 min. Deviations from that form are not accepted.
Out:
4 h 51 min
